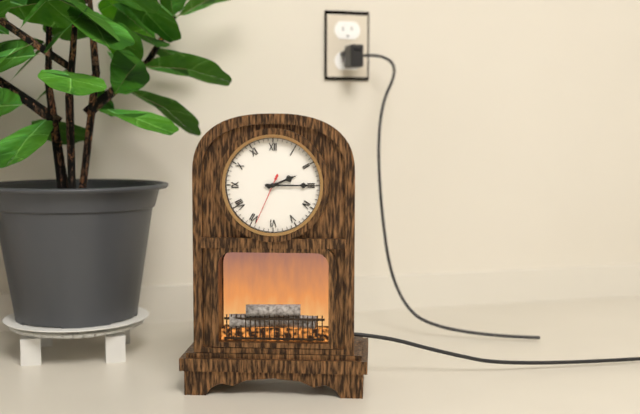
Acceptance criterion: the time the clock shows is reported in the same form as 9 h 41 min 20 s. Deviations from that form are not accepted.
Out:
2 h 15 min 34 s
